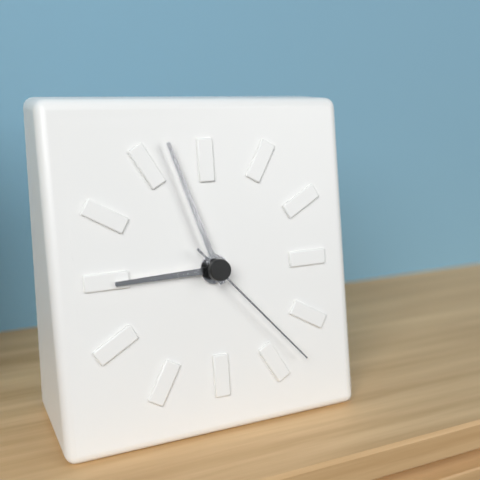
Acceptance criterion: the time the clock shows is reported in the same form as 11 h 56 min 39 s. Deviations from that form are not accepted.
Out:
8 h 57 min 23 s
